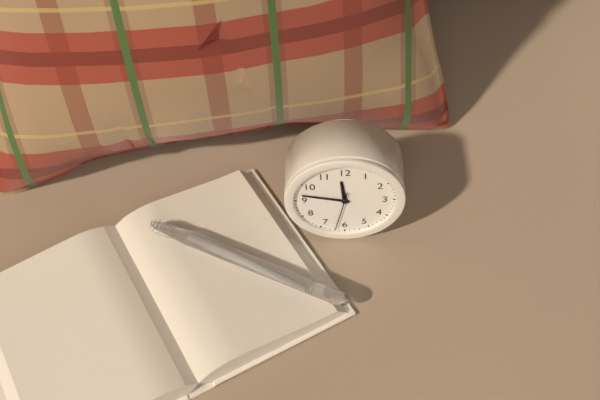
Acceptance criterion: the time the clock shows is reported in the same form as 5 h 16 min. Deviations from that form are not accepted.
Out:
11 h 47 min
